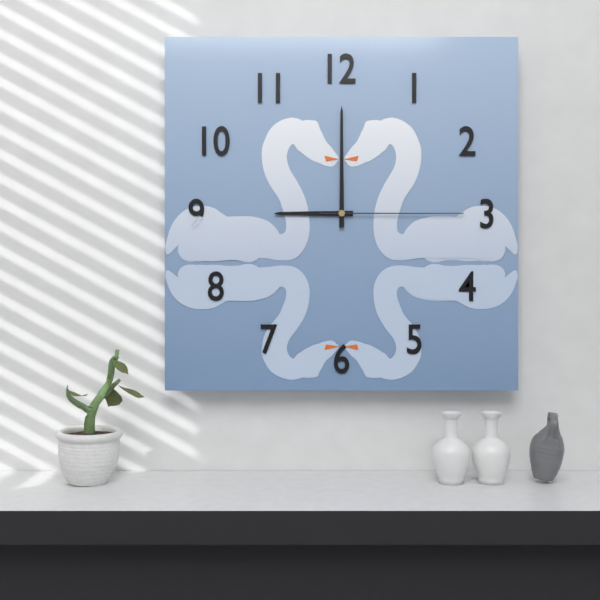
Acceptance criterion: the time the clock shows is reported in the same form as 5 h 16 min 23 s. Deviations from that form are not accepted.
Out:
9 h 00 min 15 s
